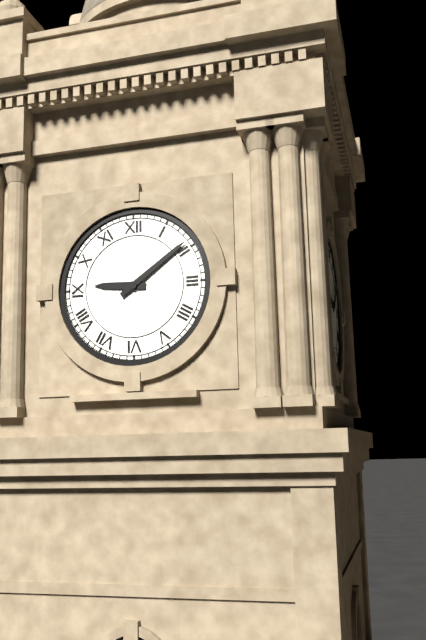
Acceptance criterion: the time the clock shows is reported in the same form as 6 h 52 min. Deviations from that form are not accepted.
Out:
9 h 09 min
